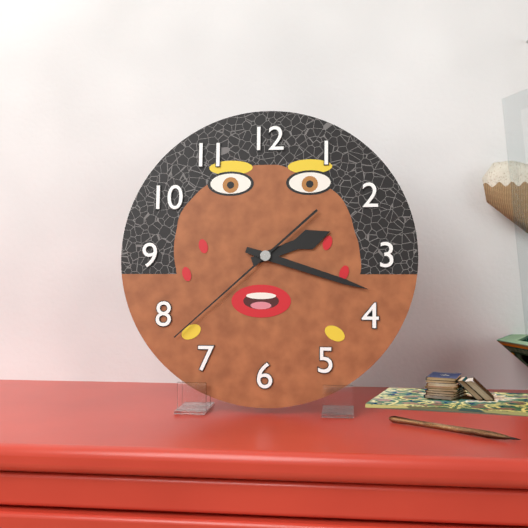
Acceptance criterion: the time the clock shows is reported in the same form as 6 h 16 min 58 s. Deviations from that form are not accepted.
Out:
2 h 18 min 38 s
